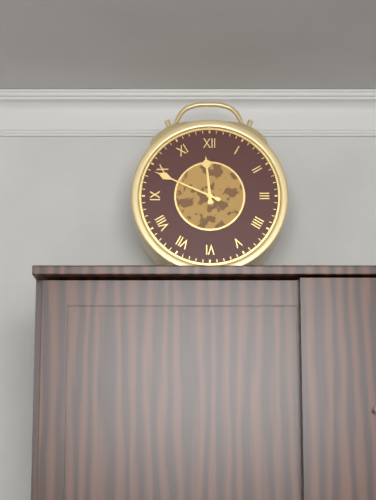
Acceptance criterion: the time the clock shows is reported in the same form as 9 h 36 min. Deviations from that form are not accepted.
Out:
11 h 49 min
